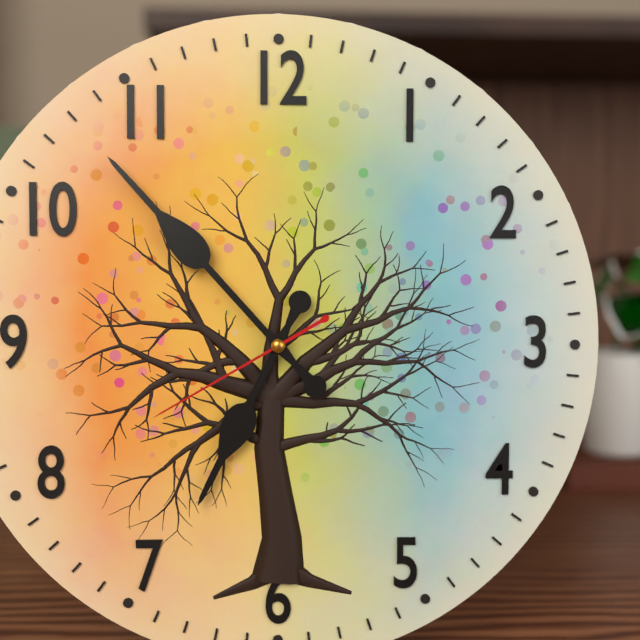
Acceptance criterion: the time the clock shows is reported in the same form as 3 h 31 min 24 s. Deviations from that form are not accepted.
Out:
6 h 53 min 40 s
